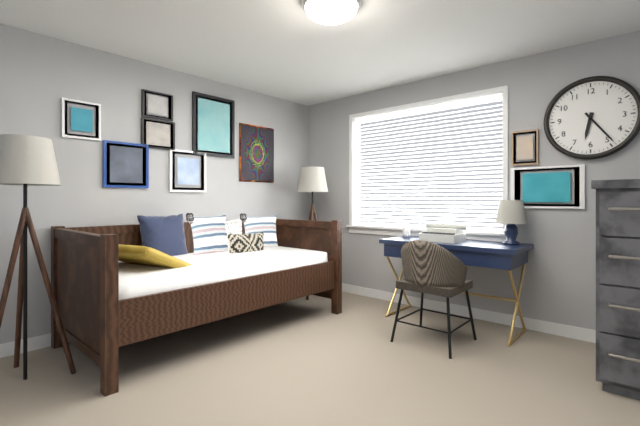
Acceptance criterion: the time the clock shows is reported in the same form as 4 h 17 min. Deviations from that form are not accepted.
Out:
6 h 24 min
